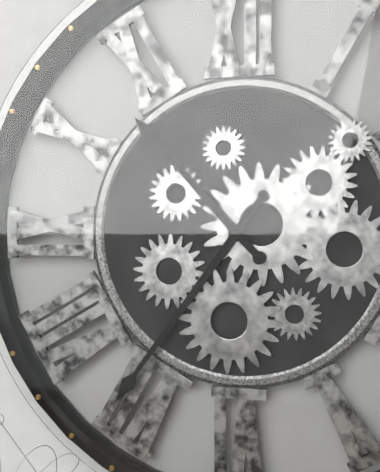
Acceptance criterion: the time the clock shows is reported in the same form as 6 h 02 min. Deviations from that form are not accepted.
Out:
10 h 36 min
